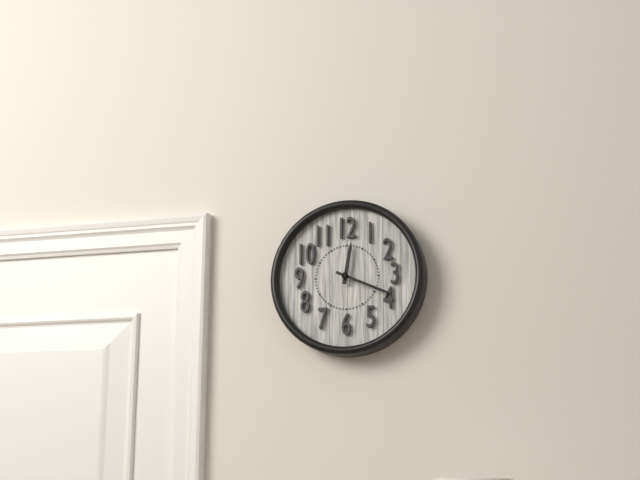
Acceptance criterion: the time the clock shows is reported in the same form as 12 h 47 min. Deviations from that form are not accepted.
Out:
12 h 19 min
